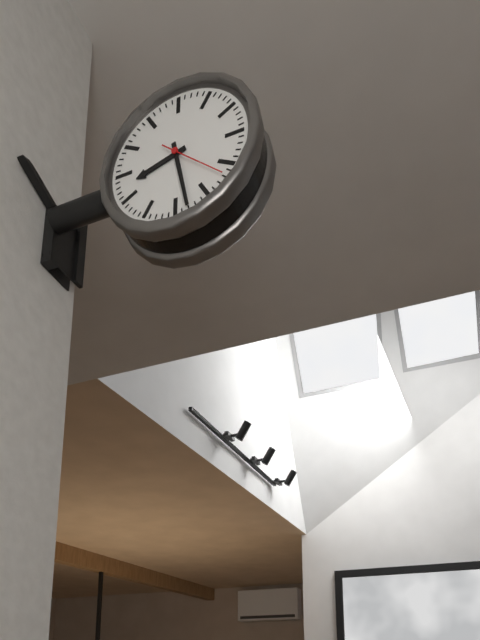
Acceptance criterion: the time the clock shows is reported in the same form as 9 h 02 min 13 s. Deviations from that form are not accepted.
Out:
8 h 28 min 22 s
